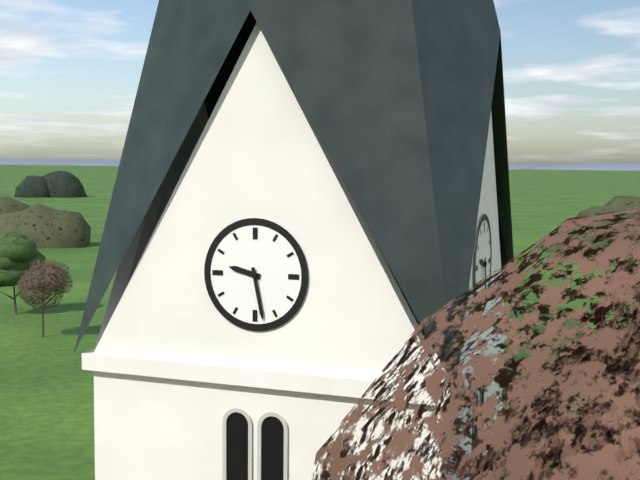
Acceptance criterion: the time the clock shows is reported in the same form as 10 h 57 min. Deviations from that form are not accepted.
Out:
9 h 28 min
